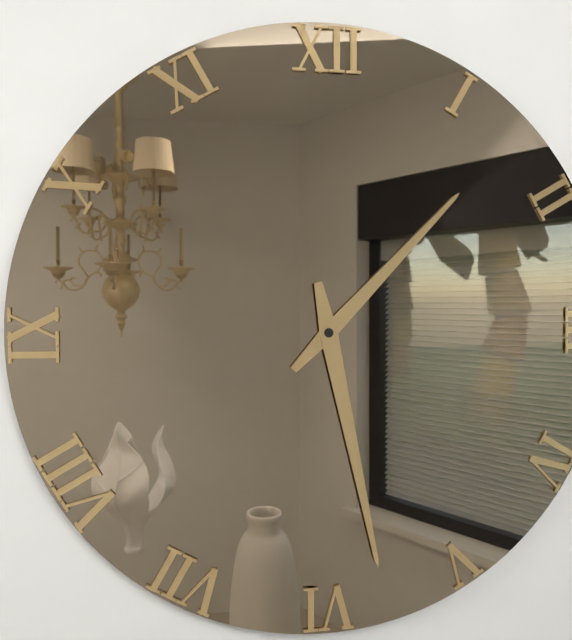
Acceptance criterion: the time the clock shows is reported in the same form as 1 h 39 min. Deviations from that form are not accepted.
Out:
1 h 28 min
